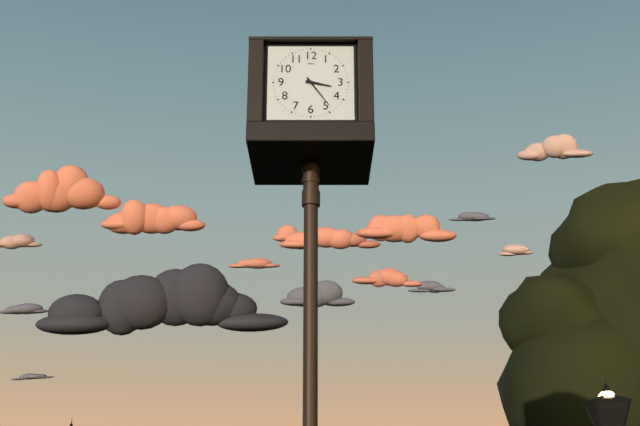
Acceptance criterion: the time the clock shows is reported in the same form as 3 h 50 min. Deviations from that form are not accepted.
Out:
3 h 24 min
